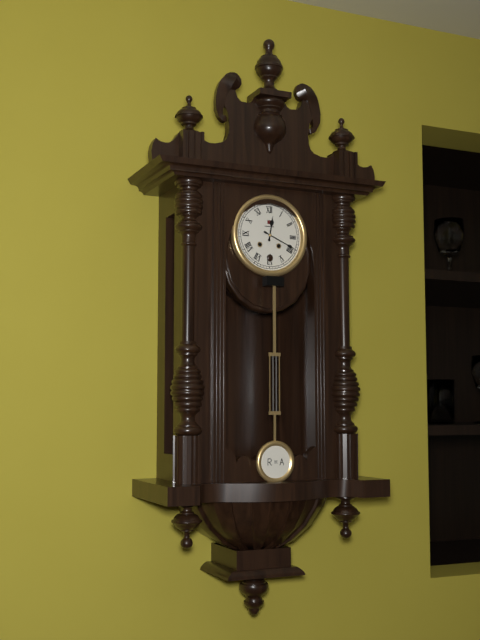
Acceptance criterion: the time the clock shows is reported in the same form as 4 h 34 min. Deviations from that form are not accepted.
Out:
12 h 19 min
